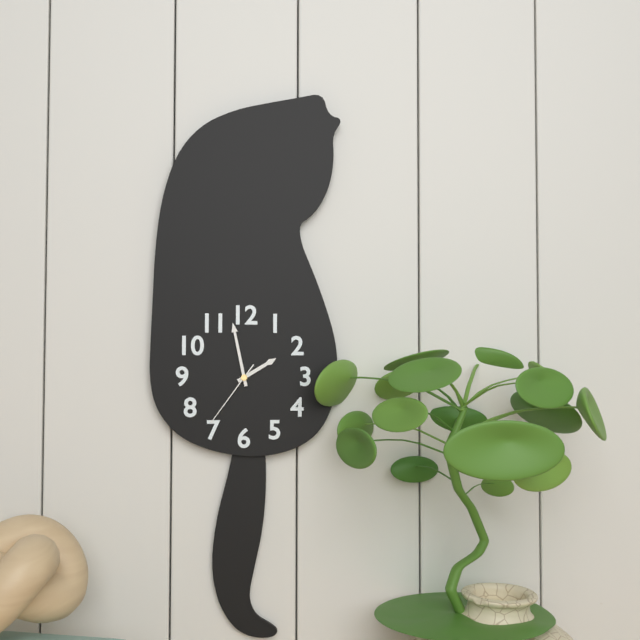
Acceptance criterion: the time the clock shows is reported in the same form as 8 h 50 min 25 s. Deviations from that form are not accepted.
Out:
1 h 58 min 36 s
